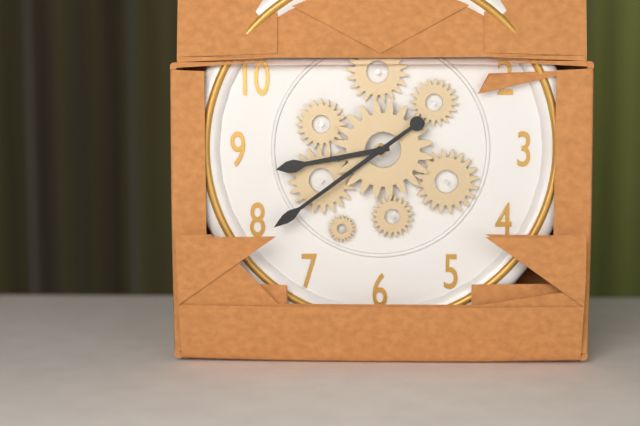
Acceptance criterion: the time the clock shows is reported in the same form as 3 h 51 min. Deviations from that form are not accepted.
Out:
8 h 39 min
